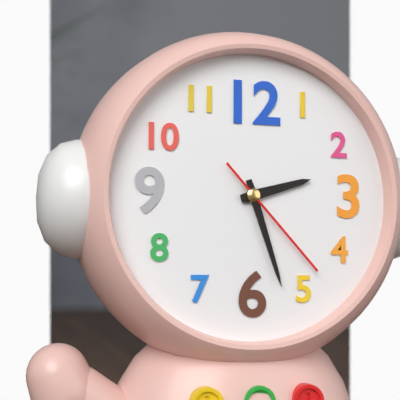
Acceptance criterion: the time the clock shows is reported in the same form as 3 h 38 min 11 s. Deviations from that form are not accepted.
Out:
2 h 27 min 23 s
